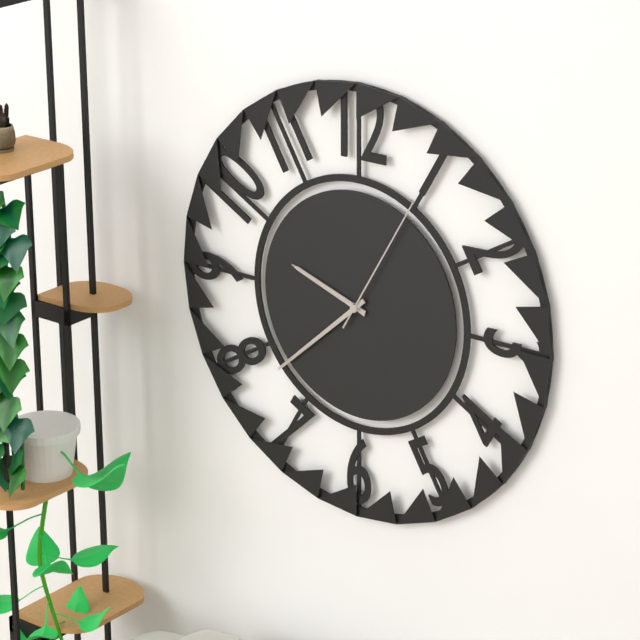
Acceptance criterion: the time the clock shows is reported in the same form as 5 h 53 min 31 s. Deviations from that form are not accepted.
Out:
9 h 38 min 05 s
